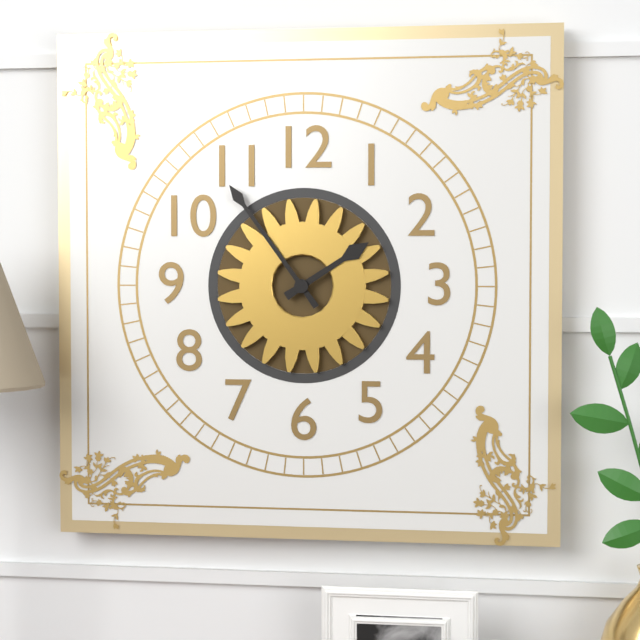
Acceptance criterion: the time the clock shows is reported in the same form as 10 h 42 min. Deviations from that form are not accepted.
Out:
1 h 54 min
